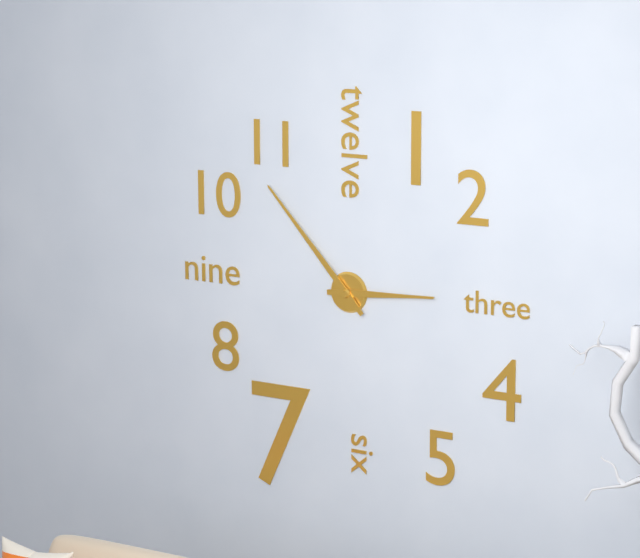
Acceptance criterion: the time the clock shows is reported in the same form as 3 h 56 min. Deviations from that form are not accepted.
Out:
2 h 53 min
